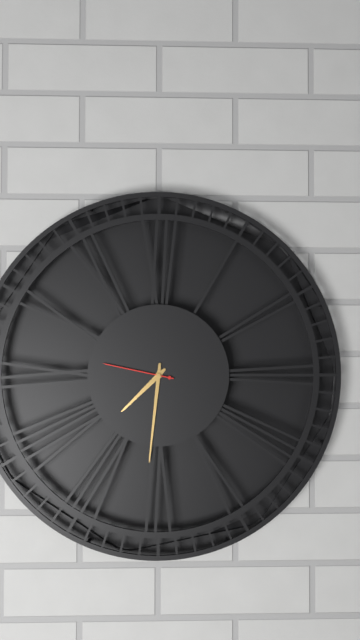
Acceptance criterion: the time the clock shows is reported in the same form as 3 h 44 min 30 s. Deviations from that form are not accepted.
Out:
7 h 31 min 47 s
